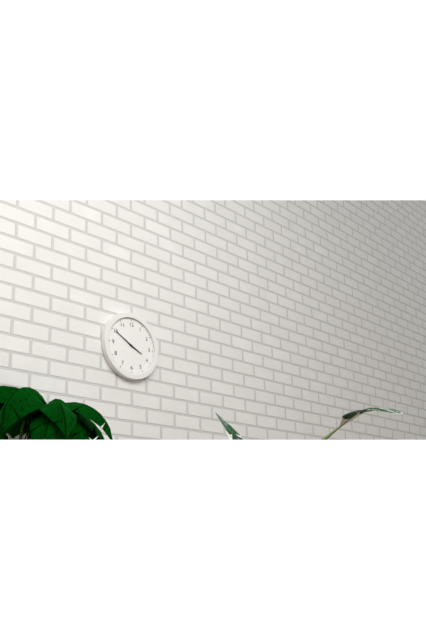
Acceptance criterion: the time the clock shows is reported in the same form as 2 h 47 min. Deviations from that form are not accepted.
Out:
3 h 50 min
